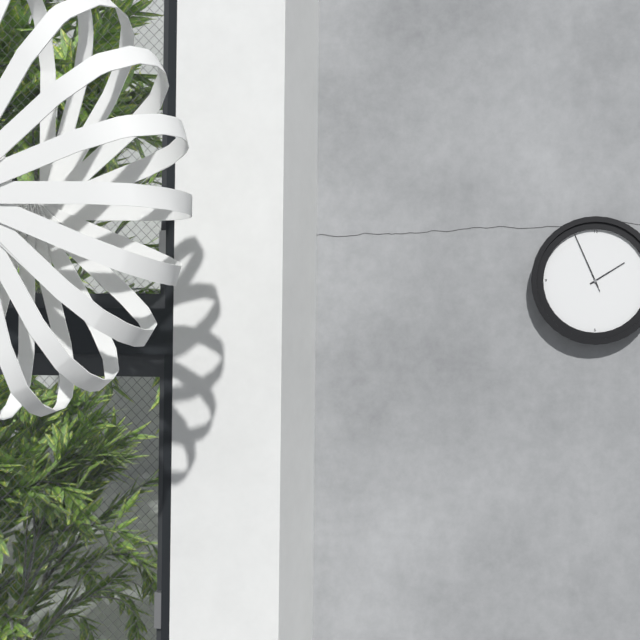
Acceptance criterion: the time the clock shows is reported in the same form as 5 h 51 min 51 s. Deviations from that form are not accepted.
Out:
1 h 56 min 56 s
